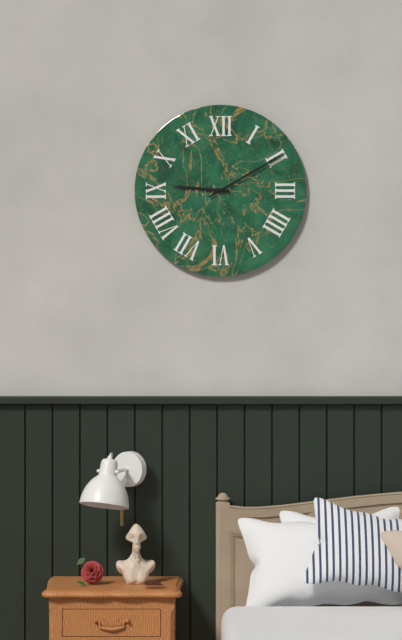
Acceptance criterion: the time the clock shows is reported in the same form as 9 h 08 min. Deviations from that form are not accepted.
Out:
9 h 10 min
